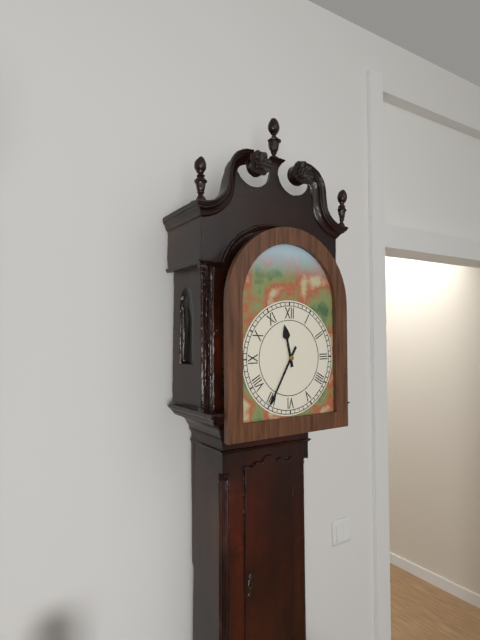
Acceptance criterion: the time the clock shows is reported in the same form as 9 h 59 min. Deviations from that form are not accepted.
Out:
11 h 35 min
